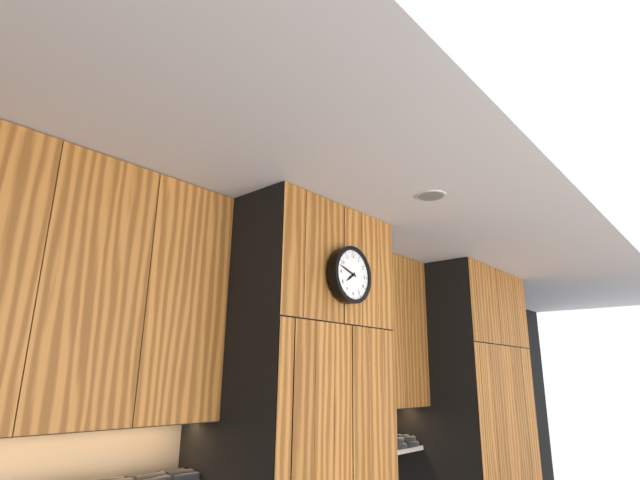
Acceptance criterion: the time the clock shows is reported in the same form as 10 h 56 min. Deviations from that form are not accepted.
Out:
7 h 48 min
